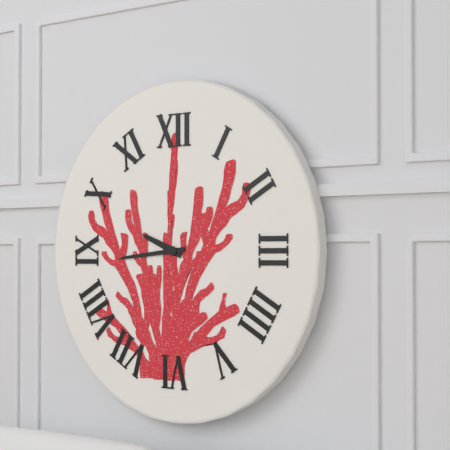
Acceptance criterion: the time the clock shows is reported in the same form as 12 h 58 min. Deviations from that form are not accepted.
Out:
9 h 44 min
